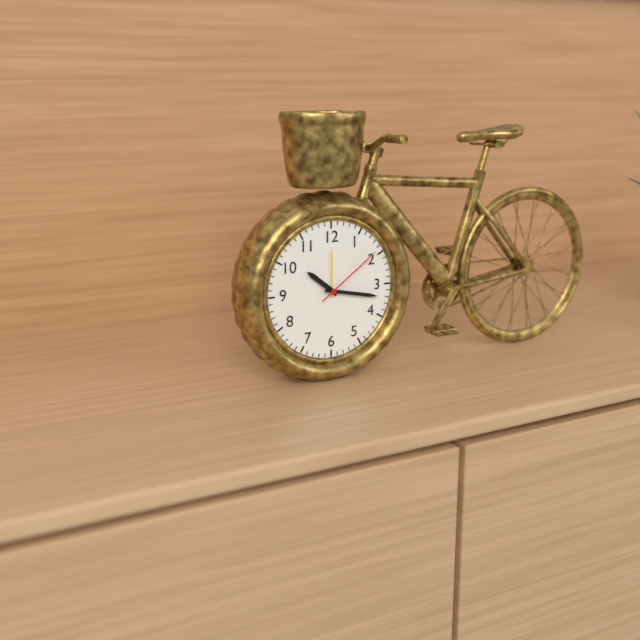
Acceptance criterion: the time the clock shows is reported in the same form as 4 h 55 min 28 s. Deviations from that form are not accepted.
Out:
10 h 17 min 09 s
